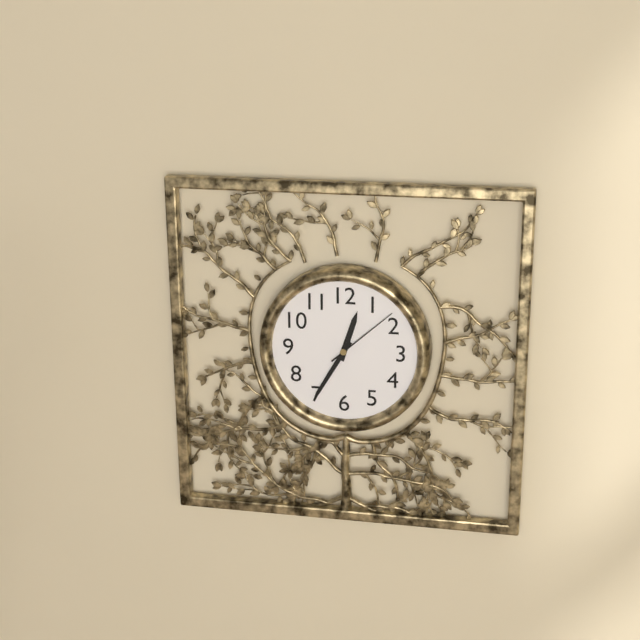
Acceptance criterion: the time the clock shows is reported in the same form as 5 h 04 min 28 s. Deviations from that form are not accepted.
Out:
12 h 35 min 08 s
